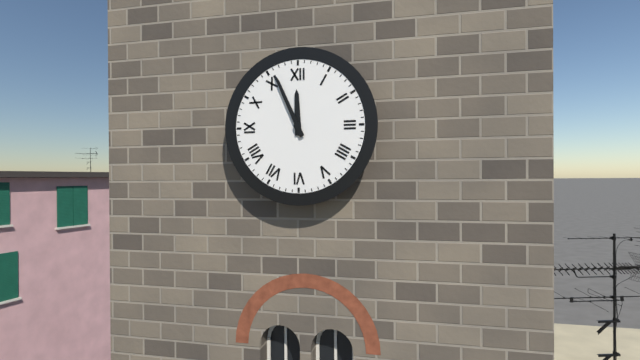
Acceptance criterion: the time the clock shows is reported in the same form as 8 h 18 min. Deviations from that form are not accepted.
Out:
11 h 56 min
